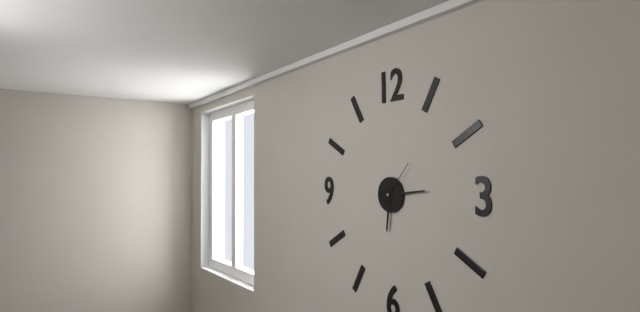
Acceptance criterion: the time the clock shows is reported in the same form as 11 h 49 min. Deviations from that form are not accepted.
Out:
6 h 14 min
